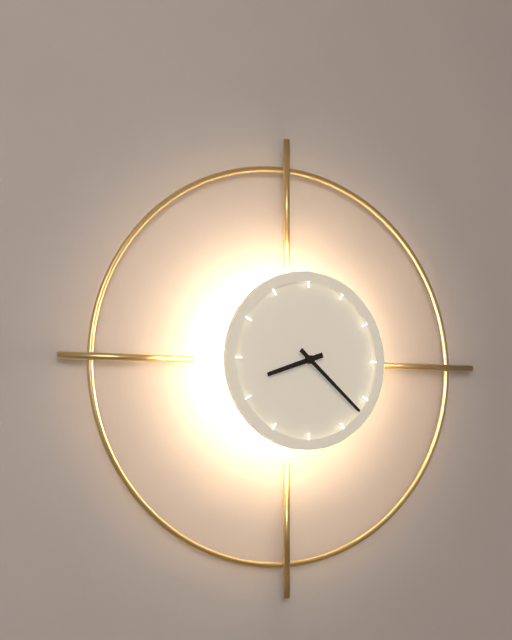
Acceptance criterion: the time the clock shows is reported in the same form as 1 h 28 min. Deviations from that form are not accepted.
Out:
8 h 22 min
